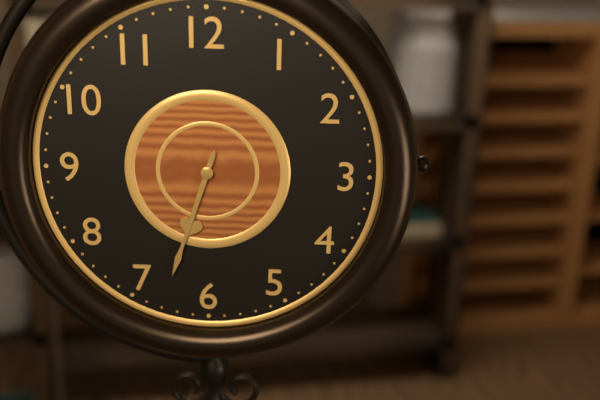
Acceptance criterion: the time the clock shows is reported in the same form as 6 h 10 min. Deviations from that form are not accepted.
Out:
6 h 33 min
